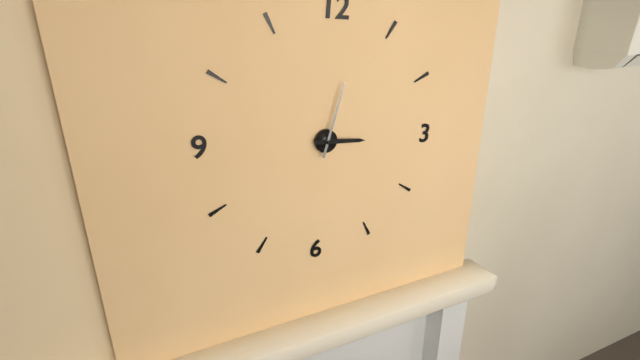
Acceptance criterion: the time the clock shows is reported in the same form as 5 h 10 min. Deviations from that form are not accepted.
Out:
3 h 02 min
